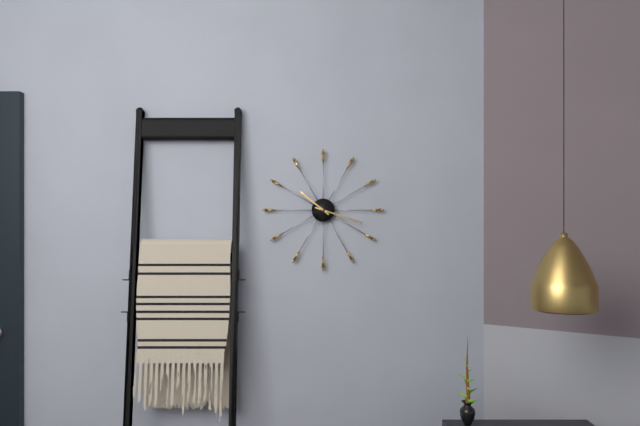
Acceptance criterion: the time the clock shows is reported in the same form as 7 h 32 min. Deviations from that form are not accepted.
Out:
10 h 18 min
